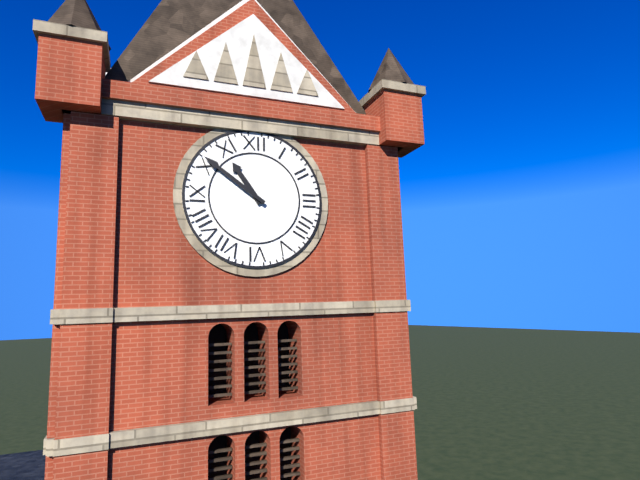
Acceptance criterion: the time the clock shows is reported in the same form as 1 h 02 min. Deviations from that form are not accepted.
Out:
10 h 51 min
